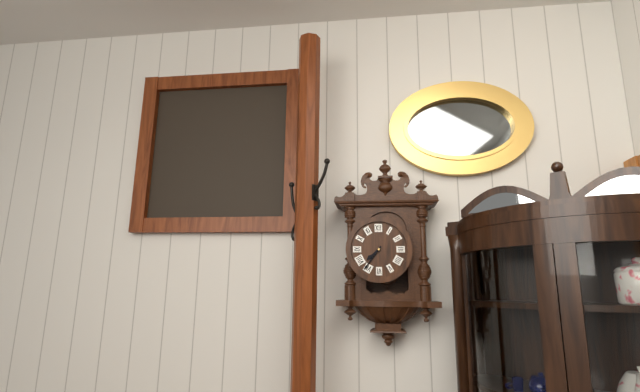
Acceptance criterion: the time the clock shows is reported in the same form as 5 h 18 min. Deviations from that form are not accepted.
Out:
7 h 36 min
